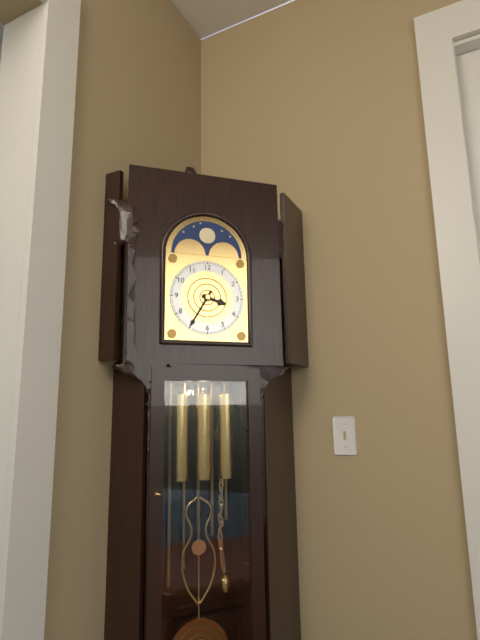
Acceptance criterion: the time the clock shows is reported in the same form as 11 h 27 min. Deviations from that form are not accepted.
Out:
3 h 35 min
